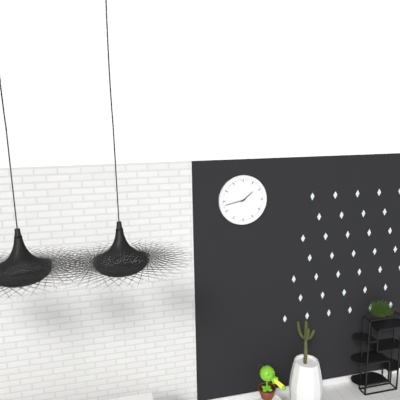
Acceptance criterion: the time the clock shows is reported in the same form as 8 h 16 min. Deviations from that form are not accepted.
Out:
1 h 43 min
